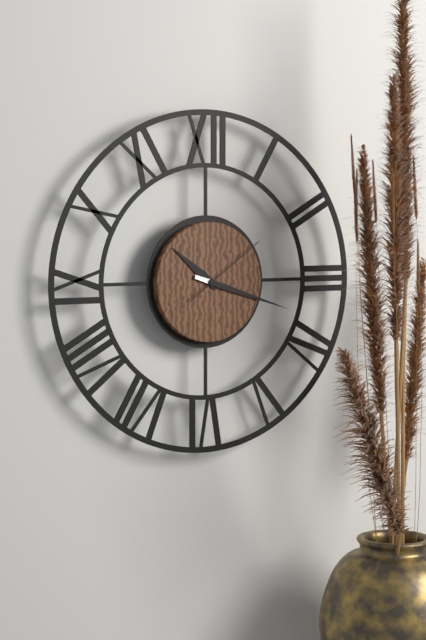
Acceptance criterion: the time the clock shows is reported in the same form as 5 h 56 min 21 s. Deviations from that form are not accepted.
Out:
10 h 18 min 09 s
